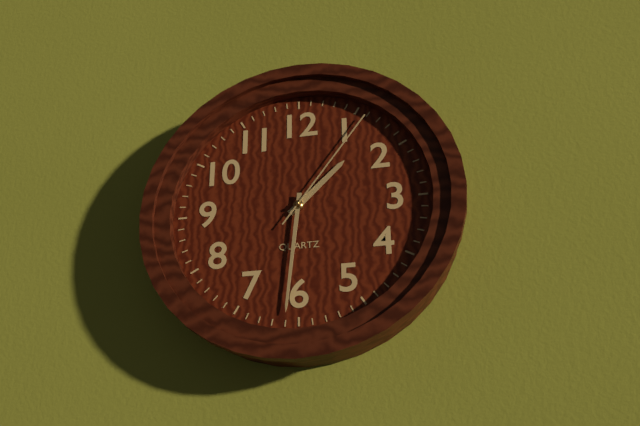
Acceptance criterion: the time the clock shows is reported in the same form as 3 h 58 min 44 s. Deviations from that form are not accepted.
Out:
1 h 31 min 06 s
